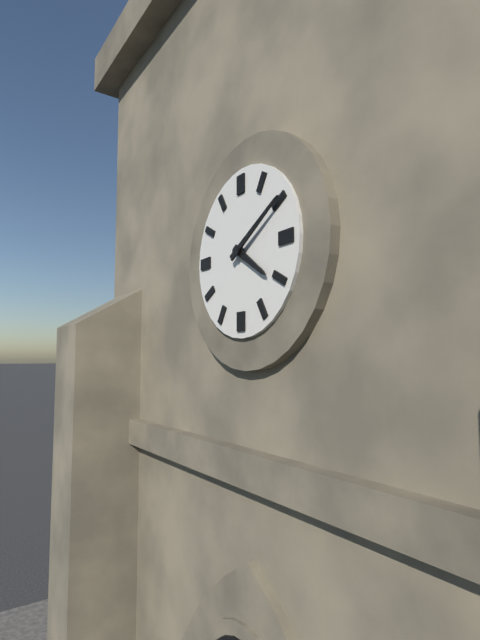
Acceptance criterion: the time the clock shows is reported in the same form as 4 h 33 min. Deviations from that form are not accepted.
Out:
4 h 10 min
